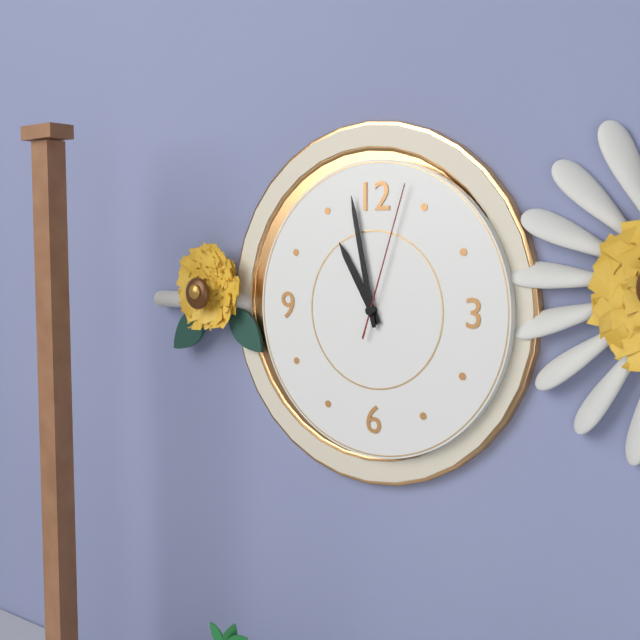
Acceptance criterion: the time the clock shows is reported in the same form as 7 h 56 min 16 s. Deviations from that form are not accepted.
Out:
10 h 58 min 03 s
